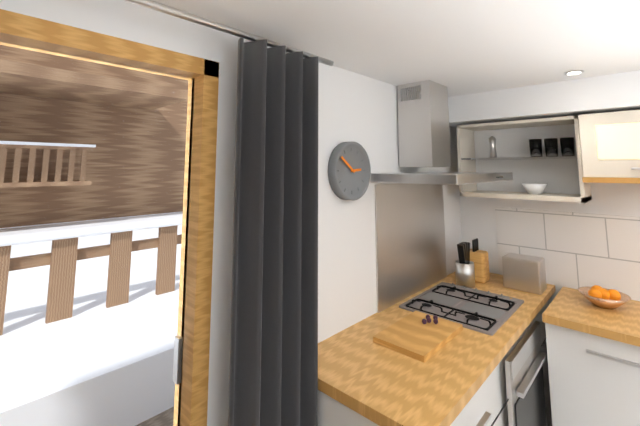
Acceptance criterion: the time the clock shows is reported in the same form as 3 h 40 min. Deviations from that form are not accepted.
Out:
2 h 51 min
